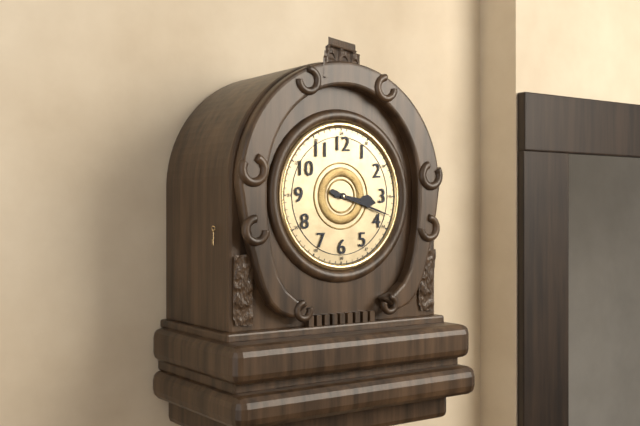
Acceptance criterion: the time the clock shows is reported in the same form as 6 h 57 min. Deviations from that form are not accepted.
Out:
3 h 18 min
